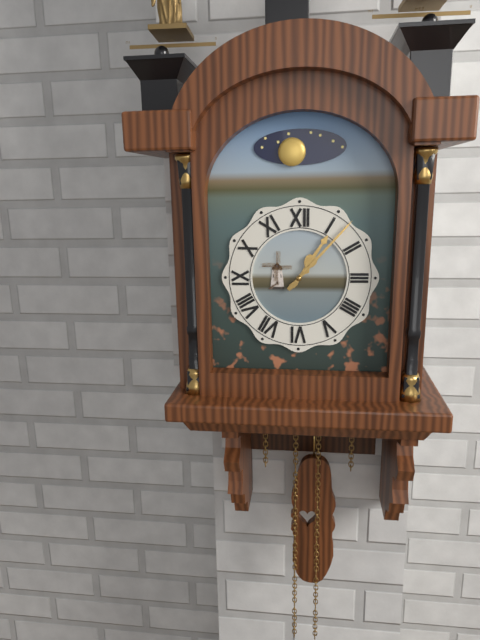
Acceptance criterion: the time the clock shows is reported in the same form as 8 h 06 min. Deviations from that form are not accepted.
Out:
1 h 07 min
